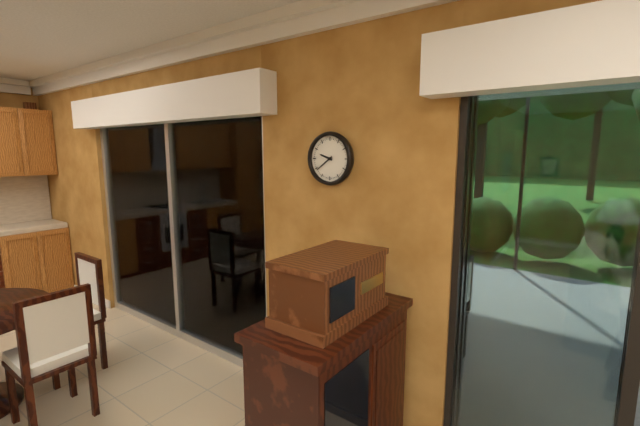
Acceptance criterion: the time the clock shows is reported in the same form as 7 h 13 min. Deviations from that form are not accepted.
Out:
9 h 39 min
